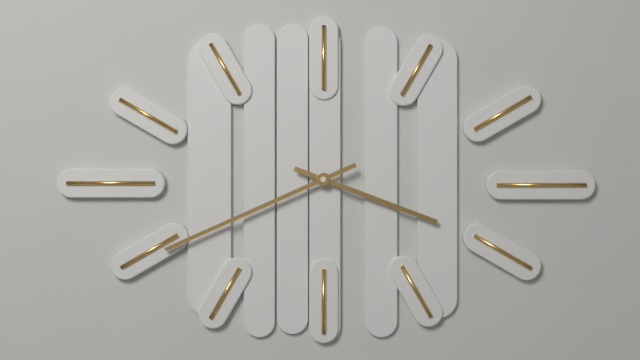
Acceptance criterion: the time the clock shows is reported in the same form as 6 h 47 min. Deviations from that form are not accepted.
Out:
3 h 41 min
